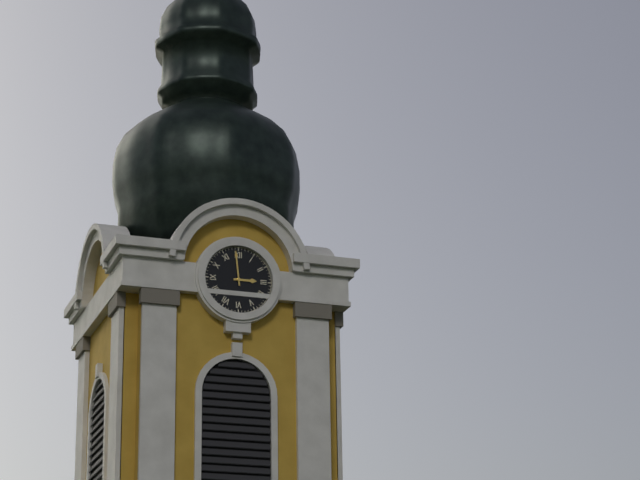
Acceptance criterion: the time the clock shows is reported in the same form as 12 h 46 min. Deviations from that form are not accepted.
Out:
2 h 59 min
